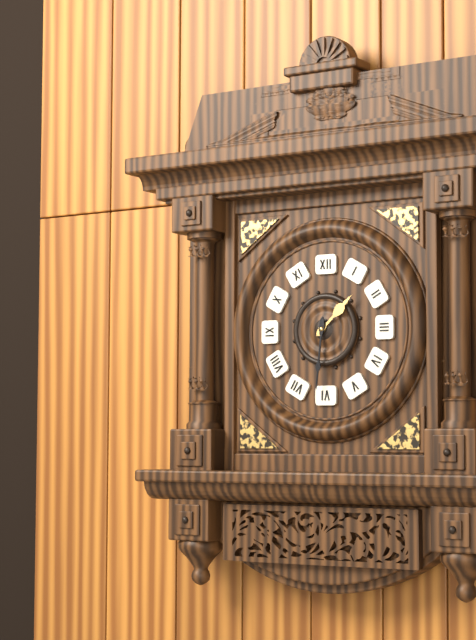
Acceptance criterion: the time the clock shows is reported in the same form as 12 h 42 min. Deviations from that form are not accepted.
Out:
1 h 31 min
